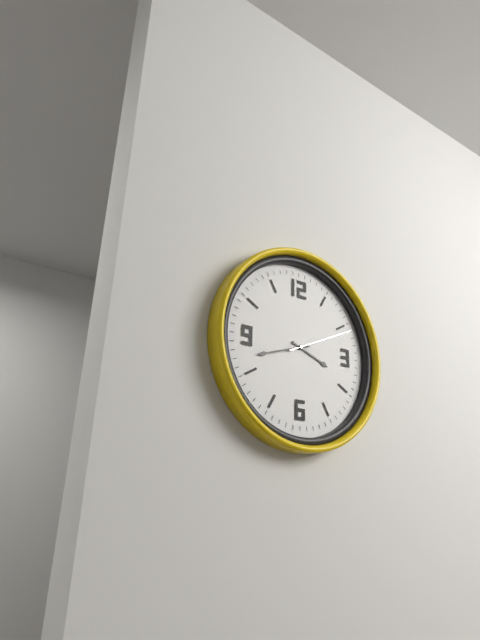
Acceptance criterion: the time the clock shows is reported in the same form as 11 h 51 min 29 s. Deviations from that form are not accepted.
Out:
3 h 42 min 11 s
